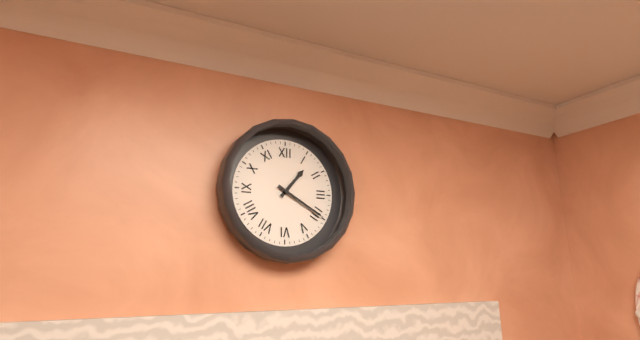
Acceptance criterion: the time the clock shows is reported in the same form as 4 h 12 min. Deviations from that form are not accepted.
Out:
1 h 20 min
